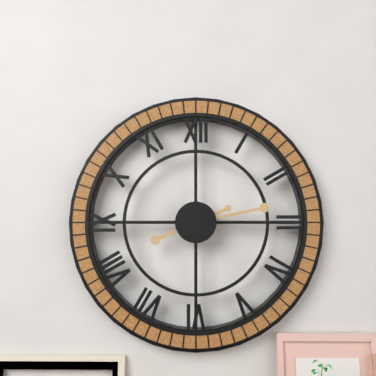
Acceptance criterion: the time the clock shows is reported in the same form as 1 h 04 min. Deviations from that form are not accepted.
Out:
8 h 13 min
